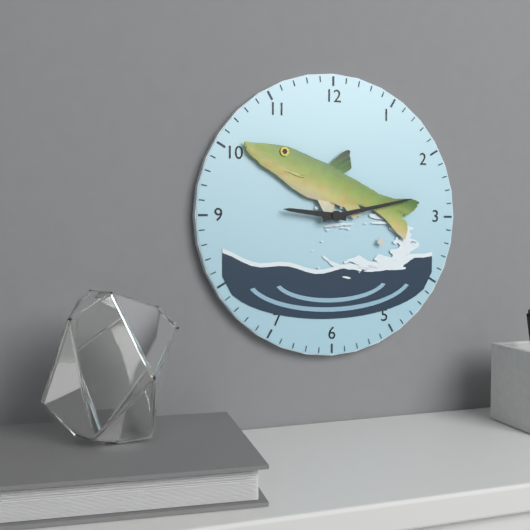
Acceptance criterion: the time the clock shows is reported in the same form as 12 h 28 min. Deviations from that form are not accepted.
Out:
9 h 13 min
